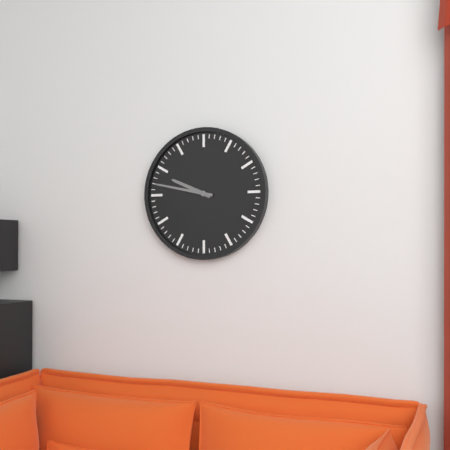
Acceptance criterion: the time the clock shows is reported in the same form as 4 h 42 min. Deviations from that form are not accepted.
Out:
9 h 47 min
